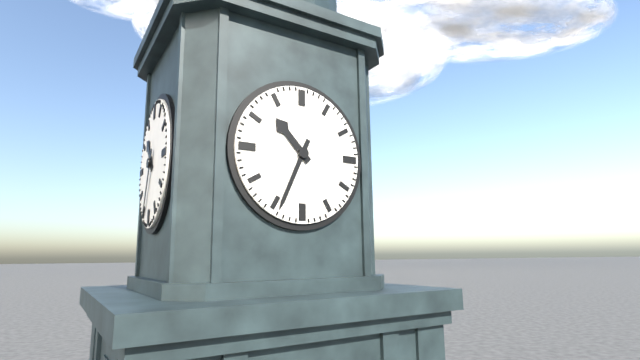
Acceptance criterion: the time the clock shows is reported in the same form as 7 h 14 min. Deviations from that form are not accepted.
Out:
10 h 34 min
